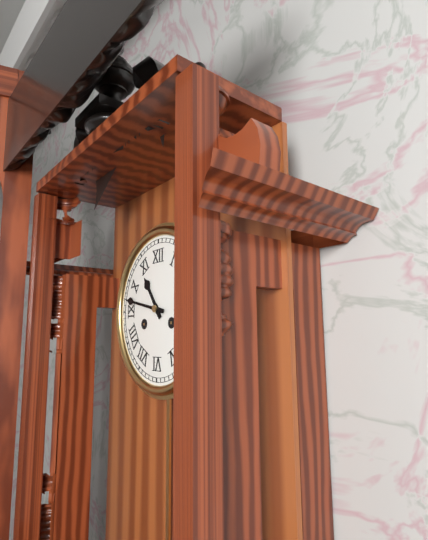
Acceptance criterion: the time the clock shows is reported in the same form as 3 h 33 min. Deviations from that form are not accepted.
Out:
10 h 47 min
